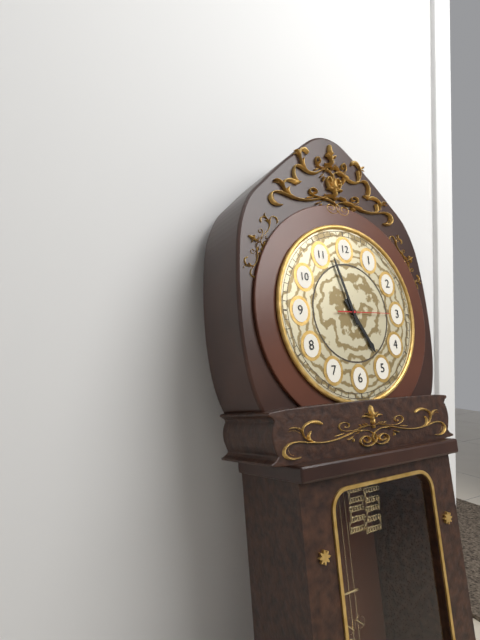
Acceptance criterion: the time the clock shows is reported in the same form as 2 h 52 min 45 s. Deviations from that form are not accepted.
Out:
4 h 57 min 15 s
